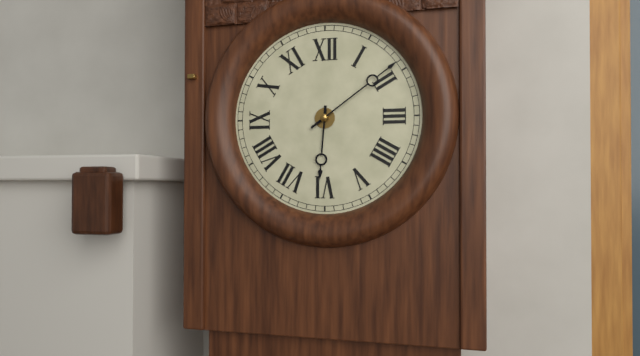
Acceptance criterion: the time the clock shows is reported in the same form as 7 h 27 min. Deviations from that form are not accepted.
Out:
6 h 09 min
